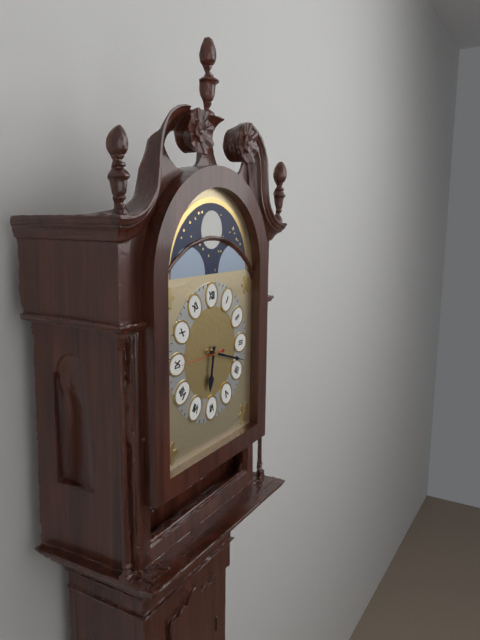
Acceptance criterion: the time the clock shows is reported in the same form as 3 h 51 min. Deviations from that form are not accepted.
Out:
6 h 18 min
